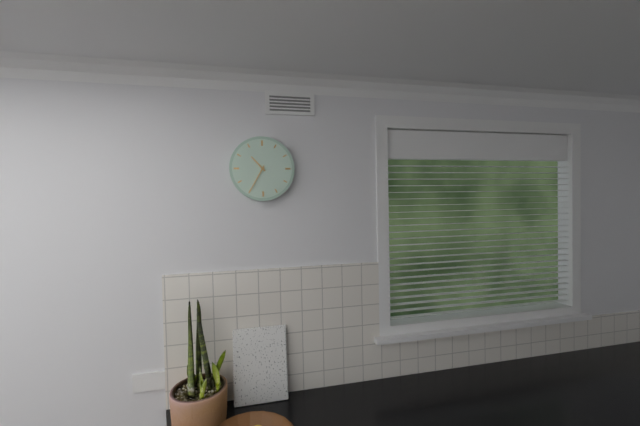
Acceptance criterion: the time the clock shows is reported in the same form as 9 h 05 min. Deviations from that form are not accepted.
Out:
10 h 35 min
